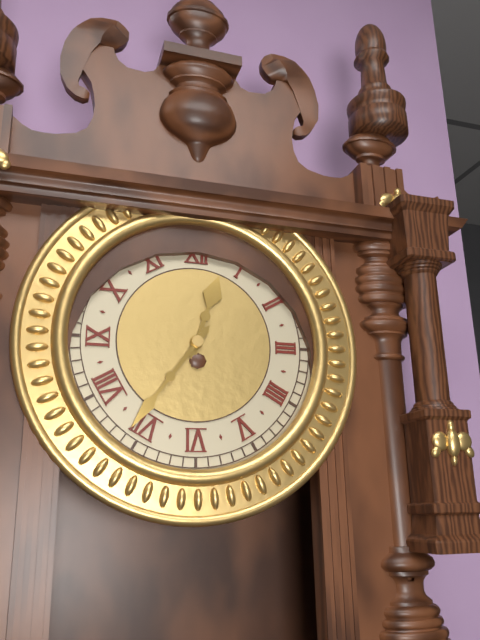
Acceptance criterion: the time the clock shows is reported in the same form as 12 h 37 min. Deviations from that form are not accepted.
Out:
12 h 36 min
